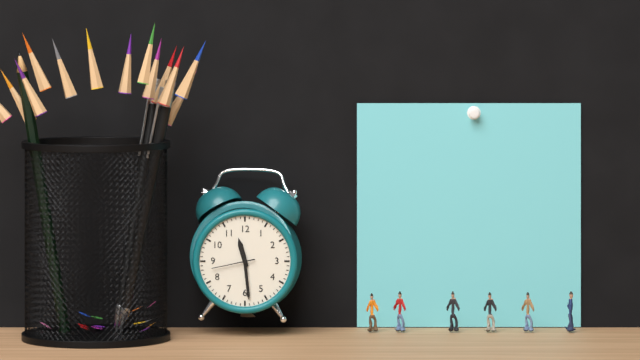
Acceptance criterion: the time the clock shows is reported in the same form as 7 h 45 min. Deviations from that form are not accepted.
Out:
11 h 29 min
